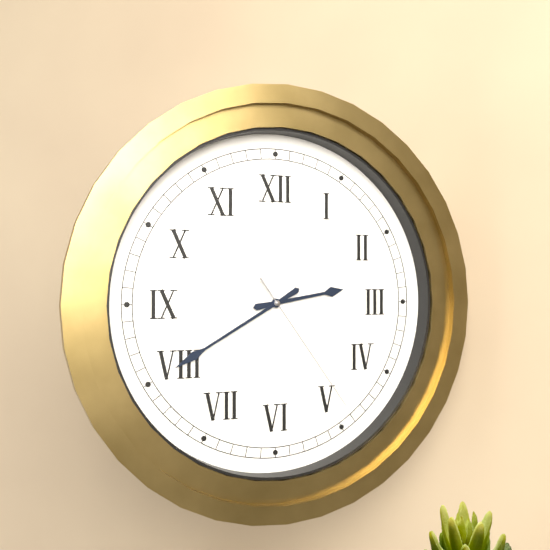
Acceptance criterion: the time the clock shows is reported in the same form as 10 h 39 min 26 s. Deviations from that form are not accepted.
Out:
2 h 40 min 24 s
